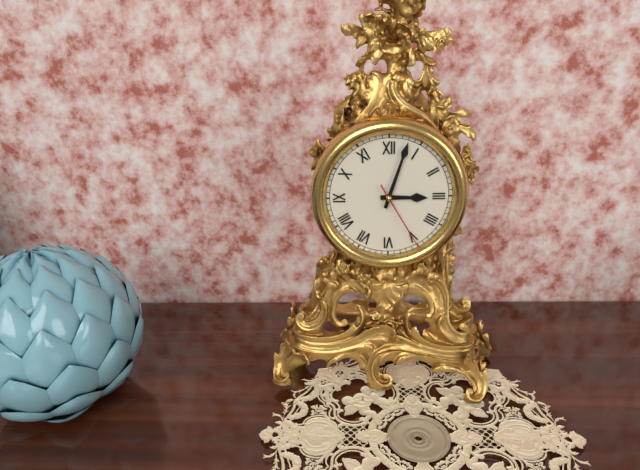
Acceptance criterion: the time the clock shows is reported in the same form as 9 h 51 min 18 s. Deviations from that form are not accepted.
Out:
3 h 03 min 25 s
